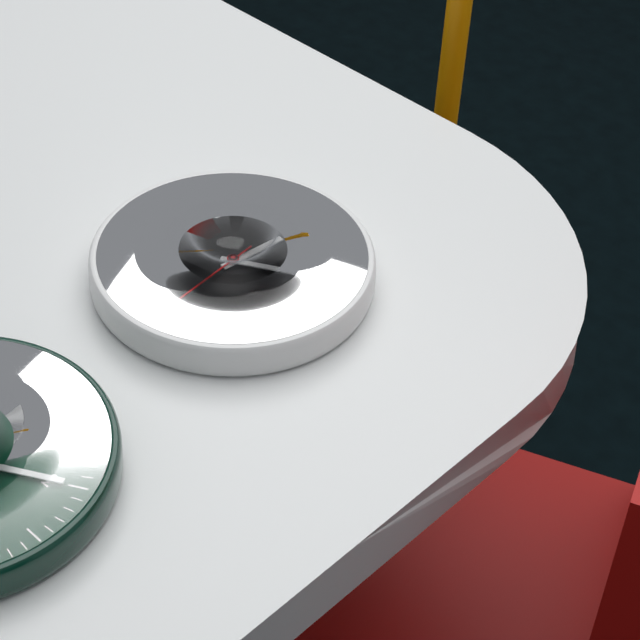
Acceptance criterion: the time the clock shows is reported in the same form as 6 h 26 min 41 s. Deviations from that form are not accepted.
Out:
12 h 10 min 29 s
